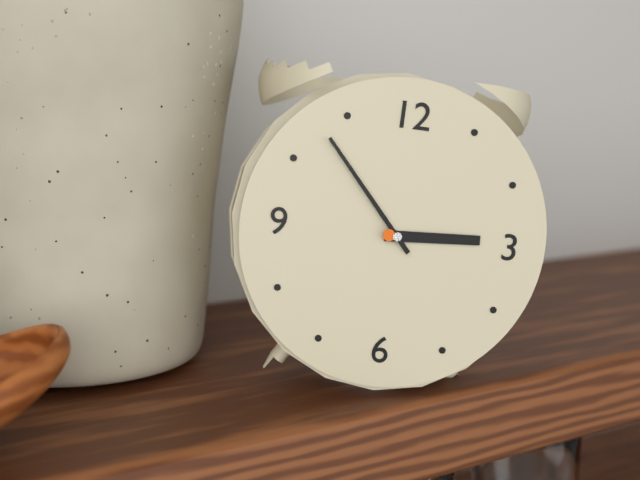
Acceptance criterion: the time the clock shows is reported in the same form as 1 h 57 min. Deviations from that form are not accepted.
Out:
2 h 53 min
